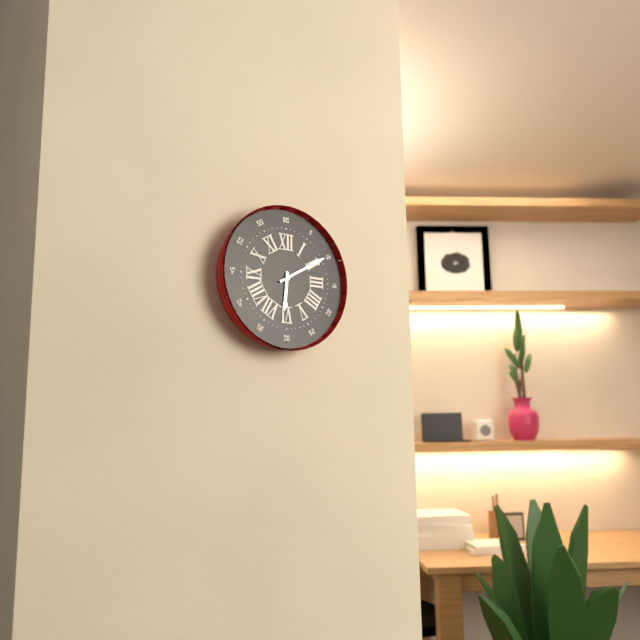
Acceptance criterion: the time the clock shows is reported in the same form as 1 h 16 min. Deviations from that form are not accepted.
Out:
6 h 10 min
